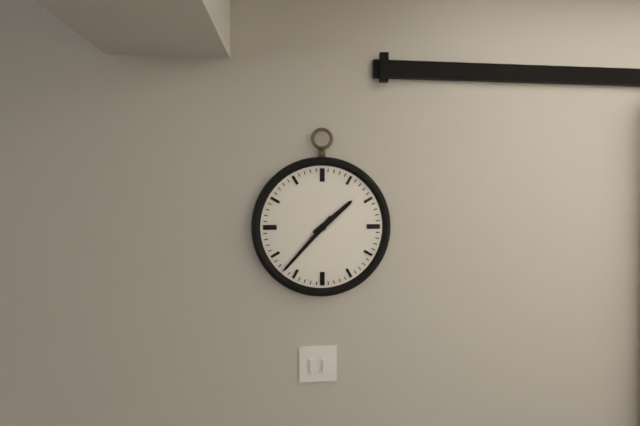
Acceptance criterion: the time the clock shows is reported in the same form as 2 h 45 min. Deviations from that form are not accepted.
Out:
1 h 37 min
